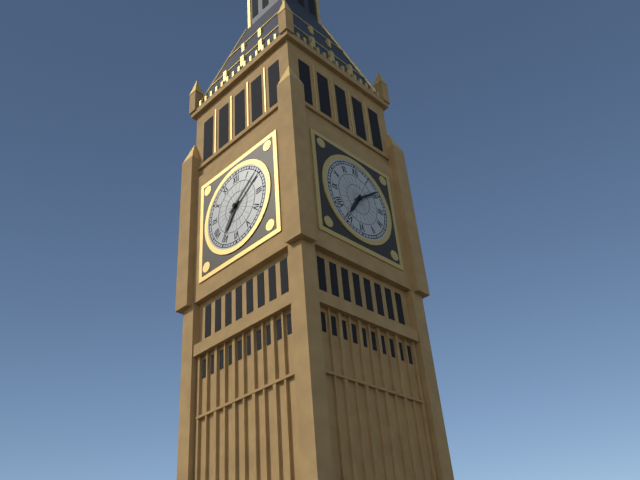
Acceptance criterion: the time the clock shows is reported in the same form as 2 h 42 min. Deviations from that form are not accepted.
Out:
7 h 09 min
